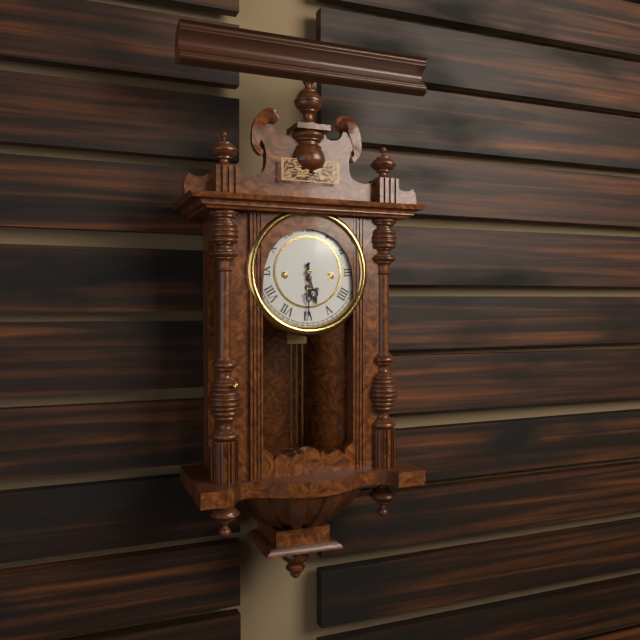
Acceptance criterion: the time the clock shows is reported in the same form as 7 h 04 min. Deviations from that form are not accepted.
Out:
5 h 30 min
